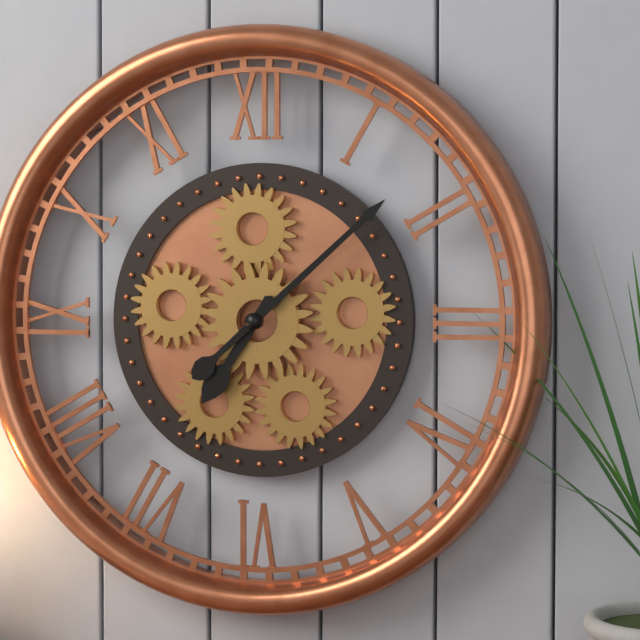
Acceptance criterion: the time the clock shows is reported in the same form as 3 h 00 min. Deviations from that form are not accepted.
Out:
7 h 08 min
